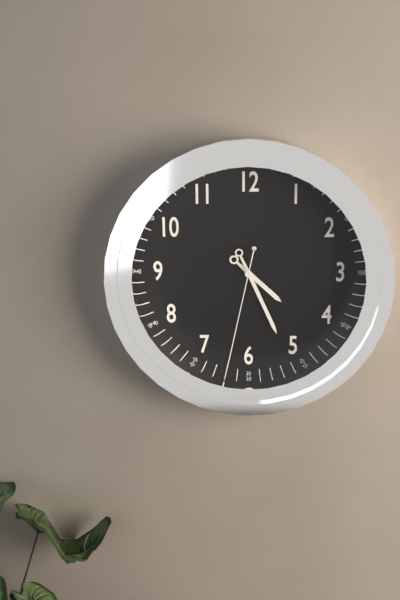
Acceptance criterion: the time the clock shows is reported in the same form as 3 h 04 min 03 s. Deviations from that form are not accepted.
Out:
4 h 26 min 32 s
